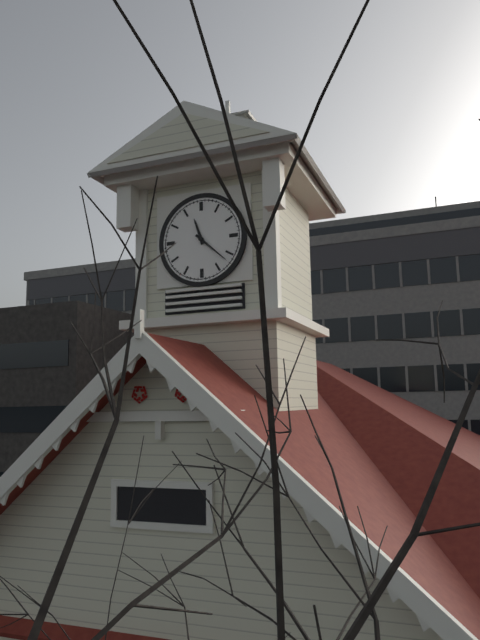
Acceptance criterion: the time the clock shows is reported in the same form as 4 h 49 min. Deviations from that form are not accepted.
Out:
11 h 22 min
